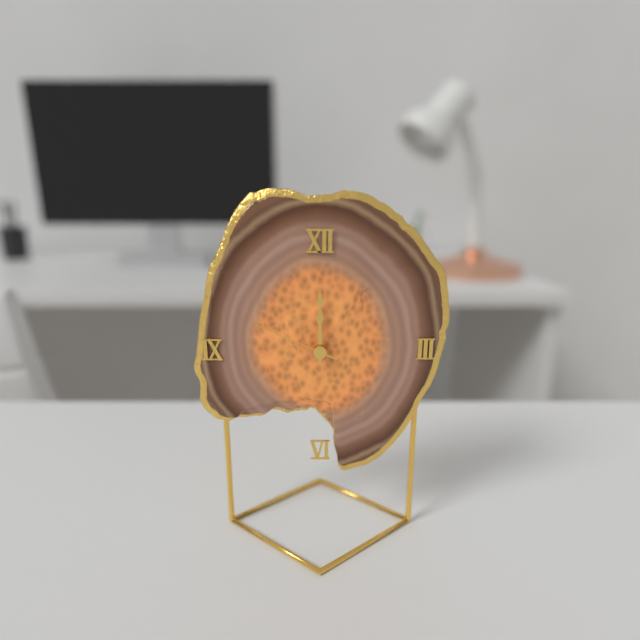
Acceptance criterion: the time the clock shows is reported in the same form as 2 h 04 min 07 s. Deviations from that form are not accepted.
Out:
12 h 00 min 49 s
